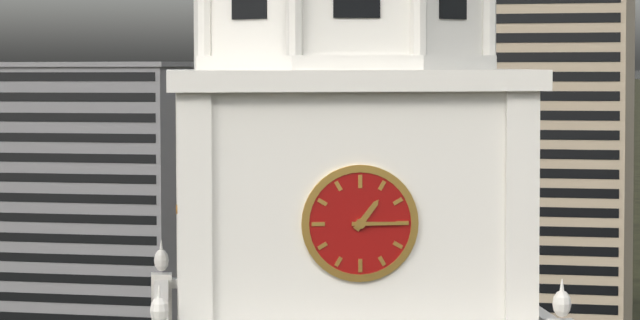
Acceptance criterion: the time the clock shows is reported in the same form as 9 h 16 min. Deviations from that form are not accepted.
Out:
1 h 15 min
